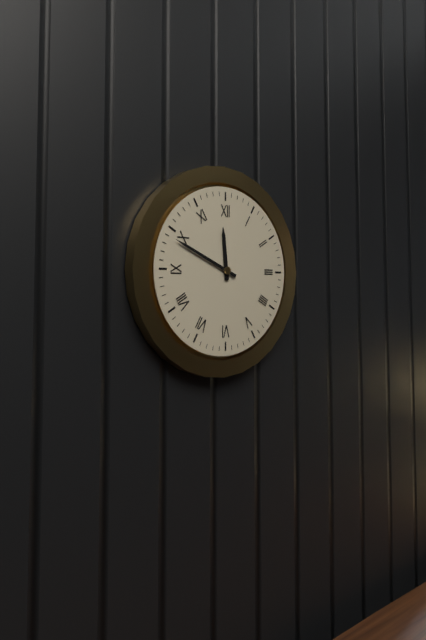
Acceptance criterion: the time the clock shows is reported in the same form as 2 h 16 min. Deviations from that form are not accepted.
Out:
11 h 49 min
